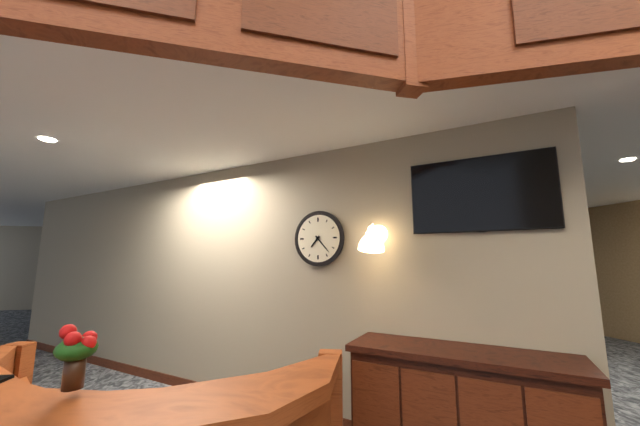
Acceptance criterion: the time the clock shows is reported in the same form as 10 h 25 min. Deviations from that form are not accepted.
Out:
7 h 23 min
